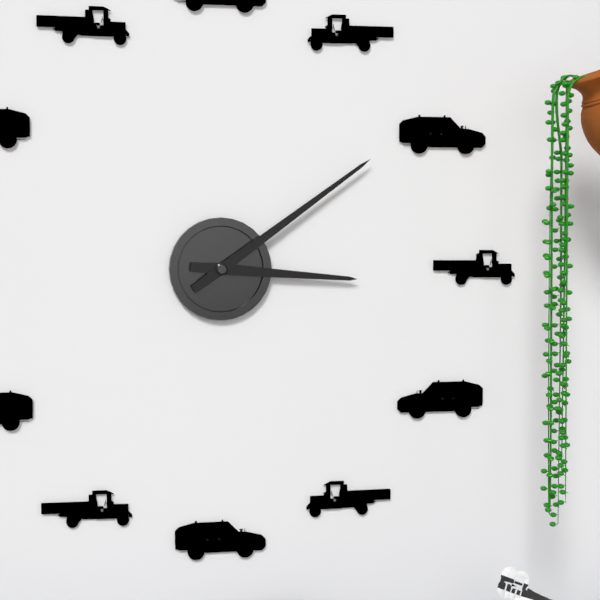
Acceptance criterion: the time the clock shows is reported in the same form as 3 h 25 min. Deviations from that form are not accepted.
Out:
3 h 09 min
